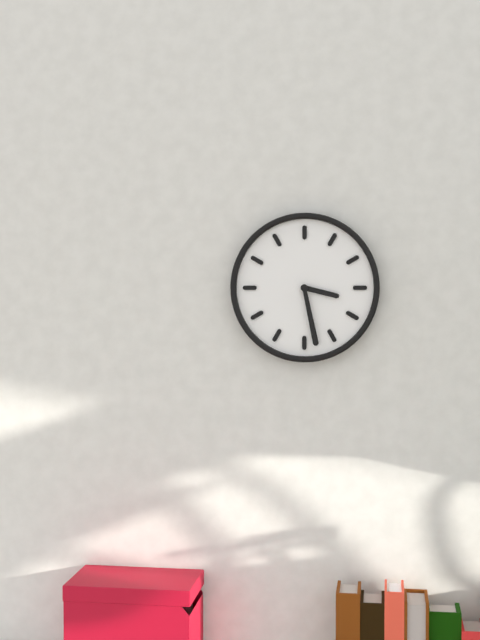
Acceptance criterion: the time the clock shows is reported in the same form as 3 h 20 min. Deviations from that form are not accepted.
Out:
3 h 28 min
